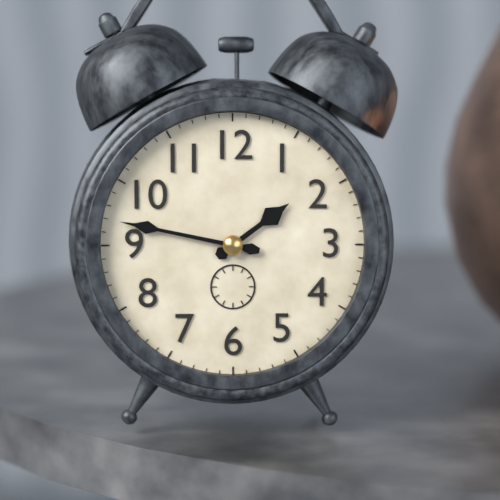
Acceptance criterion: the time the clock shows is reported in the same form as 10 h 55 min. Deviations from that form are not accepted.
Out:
1 h 47 min
